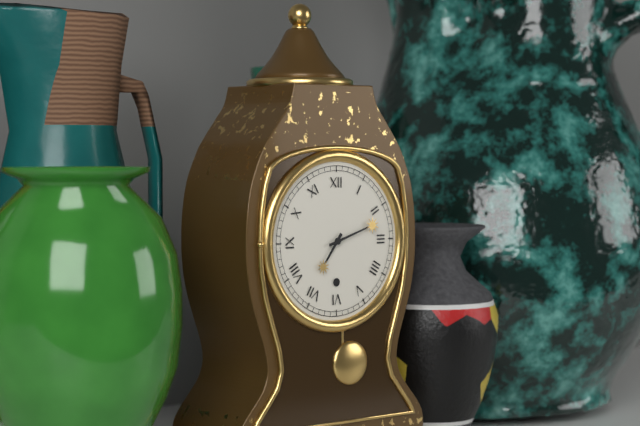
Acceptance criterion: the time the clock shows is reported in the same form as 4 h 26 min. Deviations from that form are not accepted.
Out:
7 h 12 min
